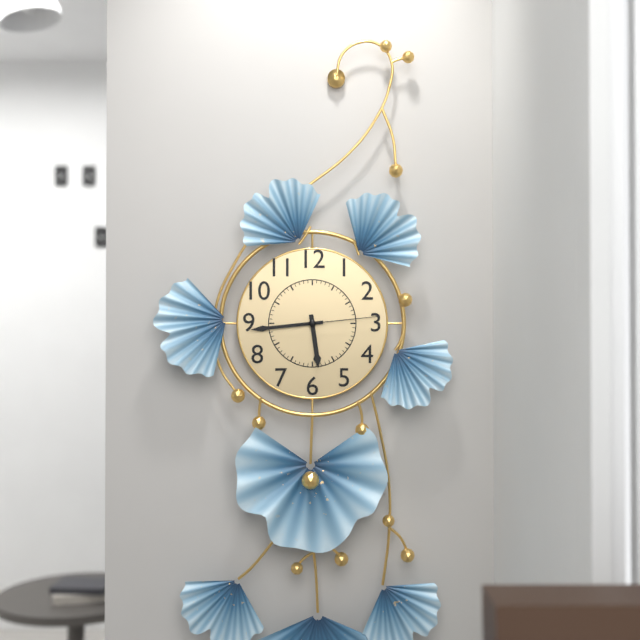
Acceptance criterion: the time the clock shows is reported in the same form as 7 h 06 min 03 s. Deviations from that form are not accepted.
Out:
5 h 44 min 14 s
